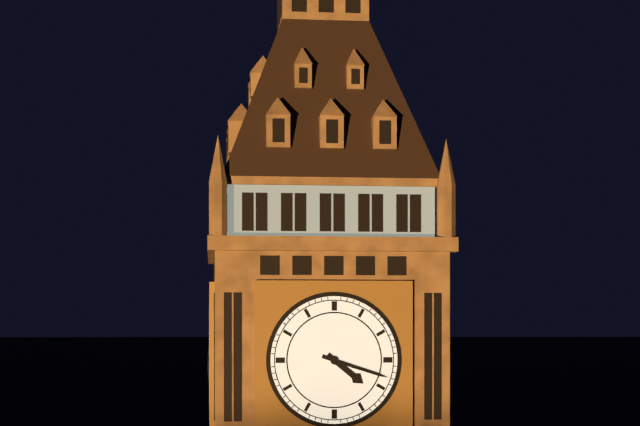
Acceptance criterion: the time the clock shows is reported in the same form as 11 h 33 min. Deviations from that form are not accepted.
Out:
4 h 18 min
